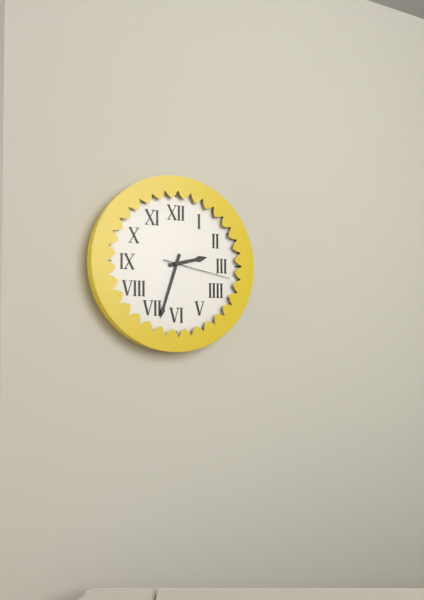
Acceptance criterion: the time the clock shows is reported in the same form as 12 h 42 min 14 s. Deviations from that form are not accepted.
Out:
2 h 33 min 17 s
